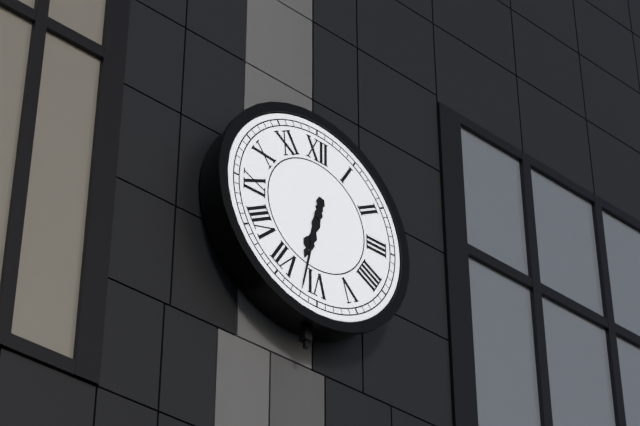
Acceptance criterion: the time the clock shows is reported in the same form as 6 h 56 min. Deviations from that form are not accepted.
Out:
6 h 32 min
